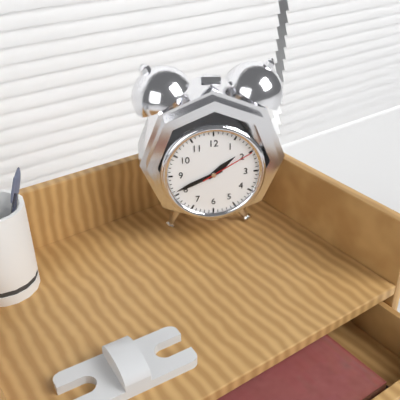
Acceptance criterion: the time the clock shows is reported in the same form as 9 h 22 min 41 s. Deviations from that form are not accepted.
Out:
1 h 41 min 10 s
